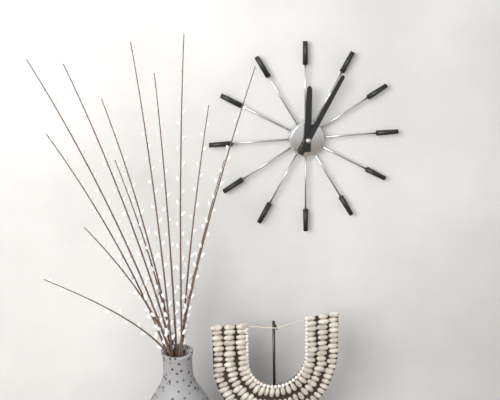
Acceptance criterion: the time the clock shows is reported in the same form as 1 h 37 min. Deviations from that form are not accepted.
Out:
12 h 05 min
